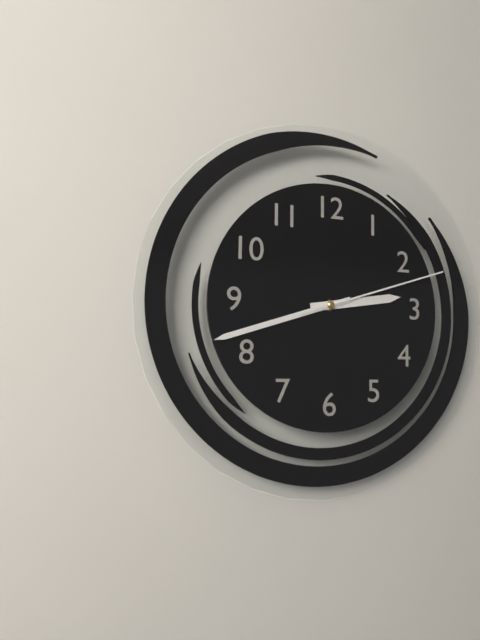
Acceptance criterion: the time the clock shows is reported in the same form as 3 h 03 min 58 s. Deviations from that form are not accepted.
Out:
2 h 42 min 12 s
